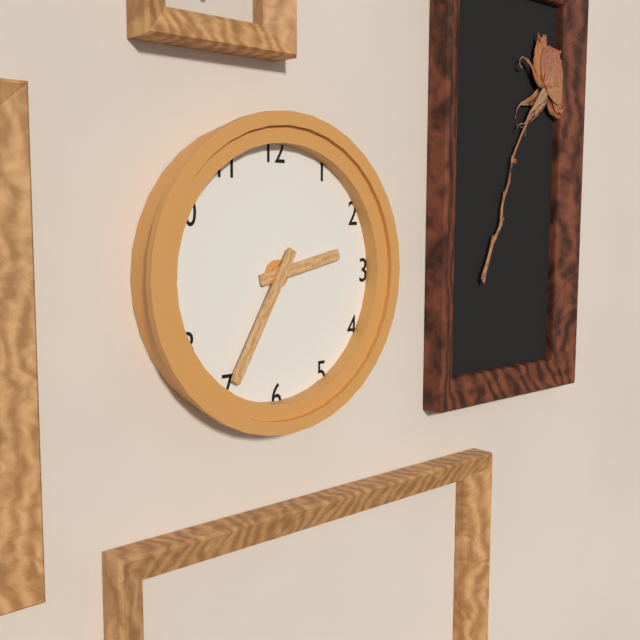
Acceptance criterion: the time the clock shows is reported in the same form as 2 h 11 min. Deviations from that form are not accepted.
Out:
2 h 35 min
